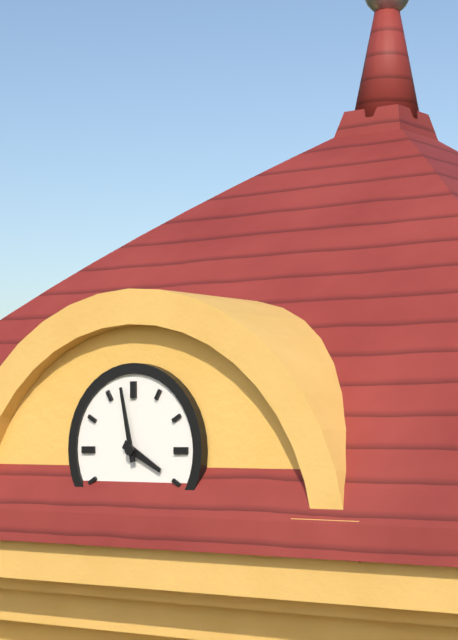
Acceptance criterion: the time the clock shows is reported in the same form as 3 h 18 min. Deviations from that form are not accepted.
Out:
3 h 58 min
